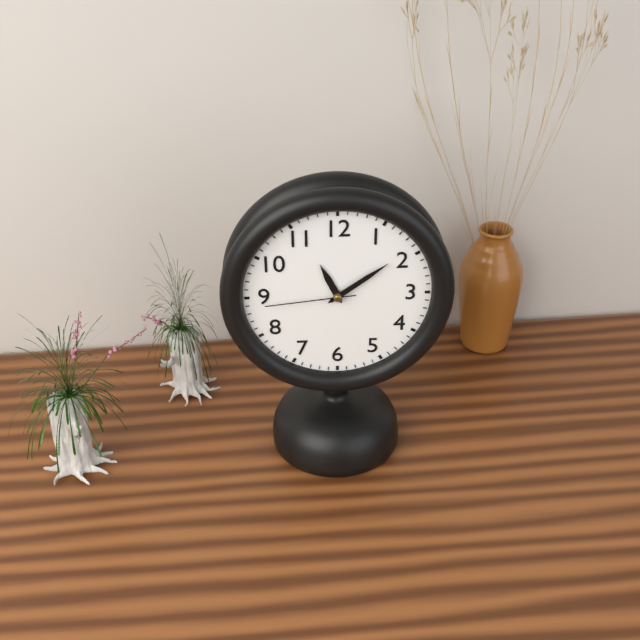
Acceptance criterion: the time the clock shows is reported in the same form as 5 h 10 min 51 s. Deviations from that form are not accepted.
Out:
11 h 09 min 44 s
